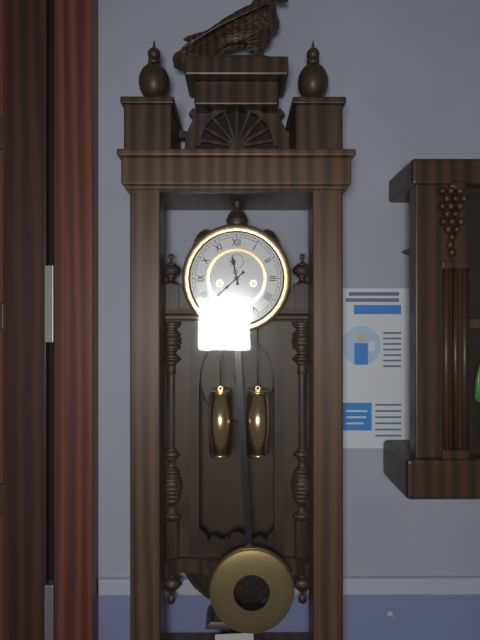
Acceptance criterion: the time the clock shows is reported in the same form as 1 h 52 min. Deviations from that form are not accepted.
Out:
11 h 38 min
